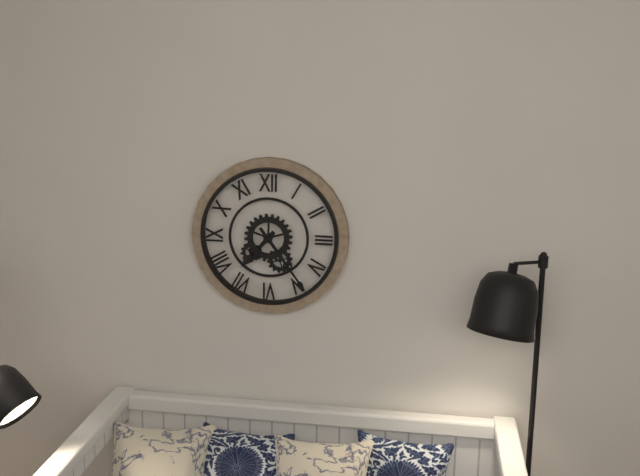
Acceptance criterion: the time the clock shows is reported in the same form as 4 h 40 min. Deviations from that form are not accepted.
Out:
7 h 24 min
